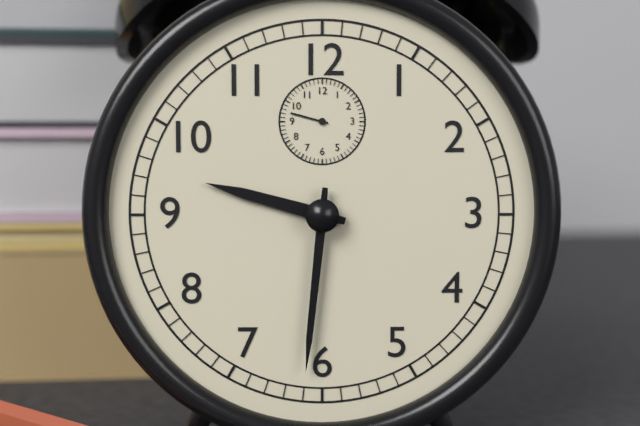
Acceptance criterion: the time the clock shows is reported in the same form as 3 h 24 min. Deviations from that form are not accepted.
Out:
9 h 31 min
